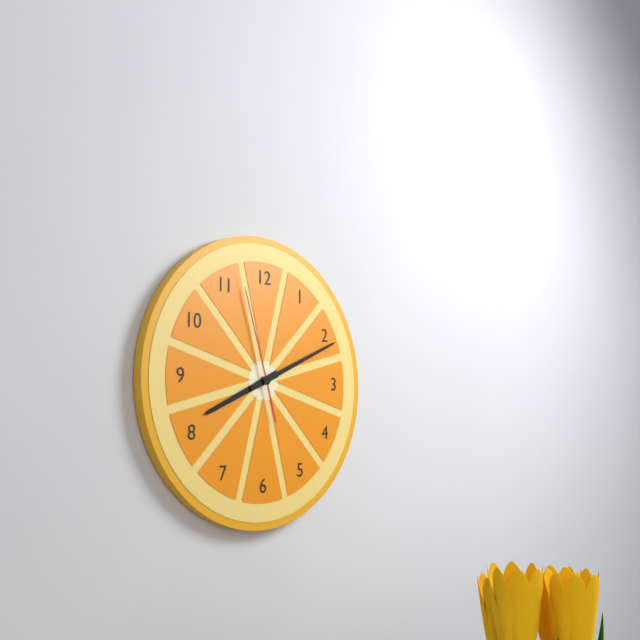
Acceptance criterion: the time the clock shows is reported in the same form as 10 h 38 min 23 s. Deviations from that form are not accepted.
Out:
8 h 11 min 57 s
